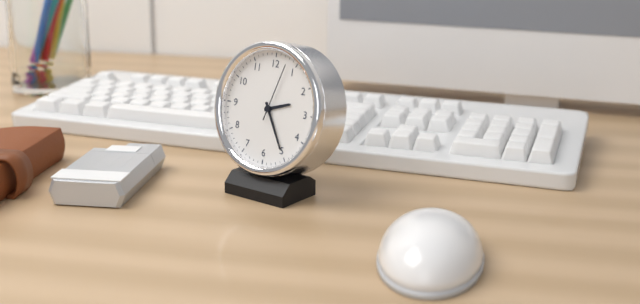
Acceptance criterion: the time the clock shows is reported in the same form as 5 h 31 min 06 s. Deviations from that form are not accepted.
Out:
2 h 25 min 03 s
